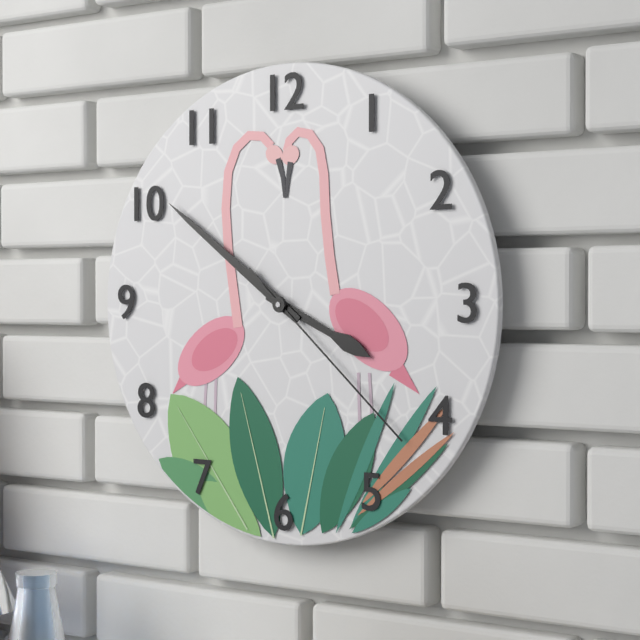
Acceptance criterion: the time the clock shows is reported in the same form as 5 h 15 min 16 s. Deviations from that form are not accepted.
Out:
3 h 51 min 22 s
